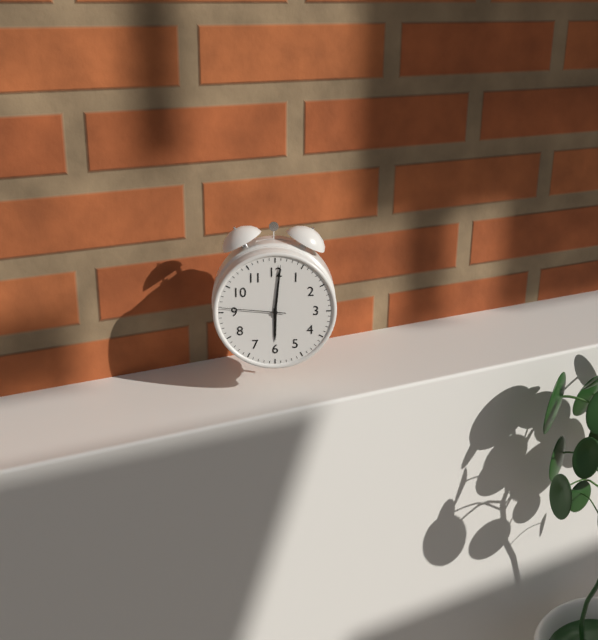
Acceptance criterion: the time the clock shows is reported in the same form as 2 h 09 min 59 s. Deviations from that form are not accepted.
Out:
6 h 01 min 46 s
